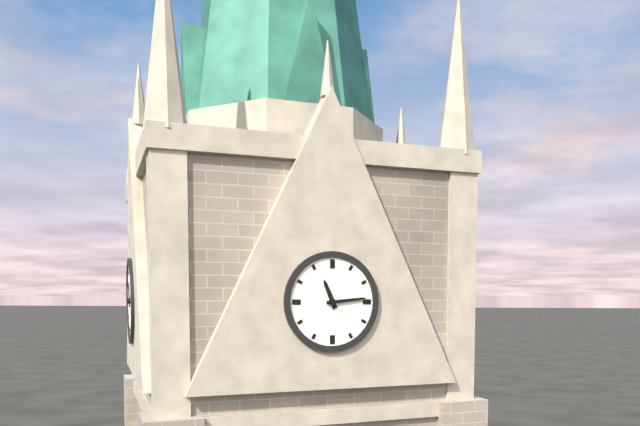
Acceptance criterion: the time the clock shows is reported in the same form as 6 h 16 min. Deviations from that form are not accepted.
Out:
11 h 14 min
